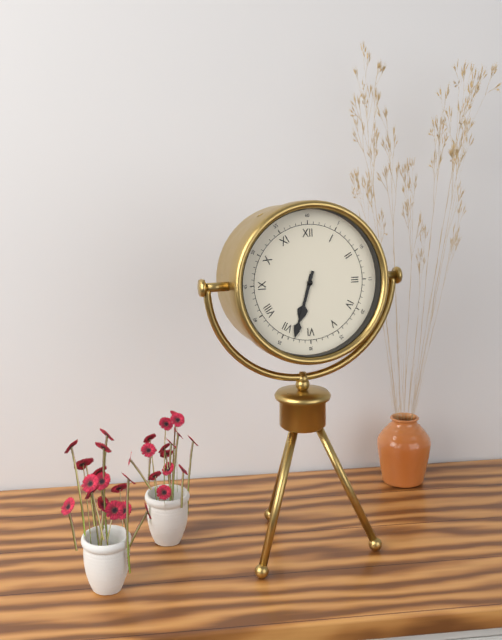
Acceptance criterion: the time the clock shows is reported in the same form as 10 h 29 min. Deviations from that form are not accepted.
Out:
6 h 33 min
